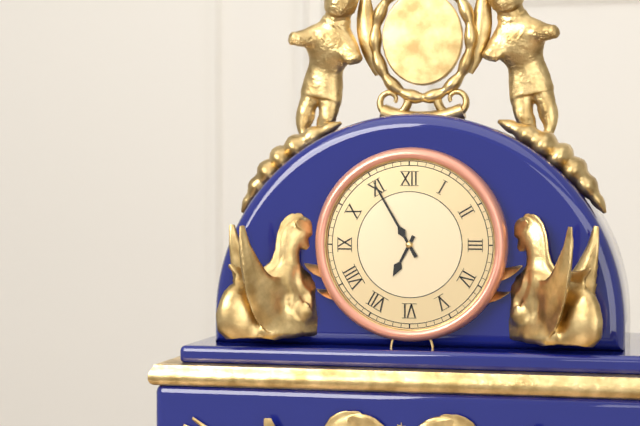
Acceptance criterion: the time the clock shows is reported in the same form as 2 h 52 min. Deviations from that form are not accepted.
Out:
6 h 55 min
